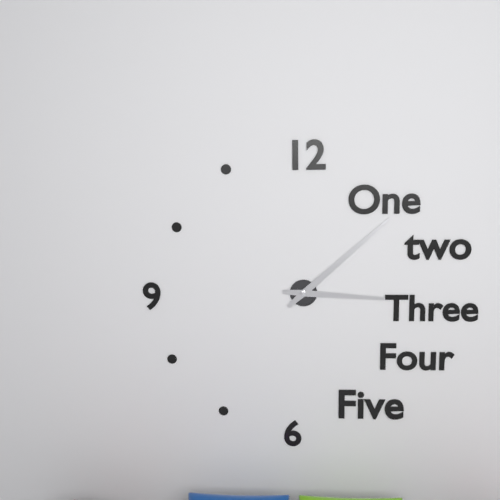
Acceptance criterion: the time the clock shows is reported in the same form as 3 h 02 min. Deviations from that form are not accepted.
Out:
3 h 08 min
